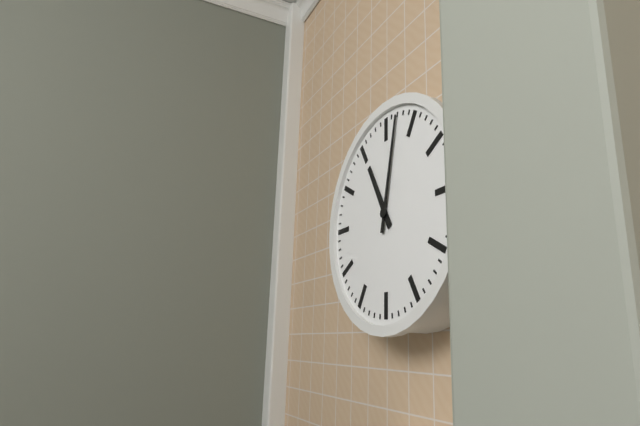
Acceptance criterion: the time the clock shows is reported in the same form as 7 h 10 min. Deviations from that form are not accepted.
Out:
11 h 02 min
